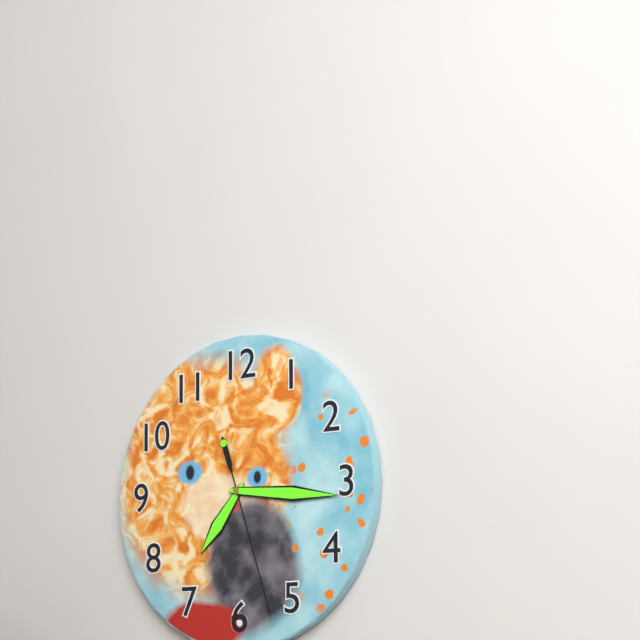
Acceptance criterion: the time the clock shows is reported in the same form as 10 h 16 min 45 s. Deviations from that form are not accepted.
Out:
7 h 16 min 27 s
